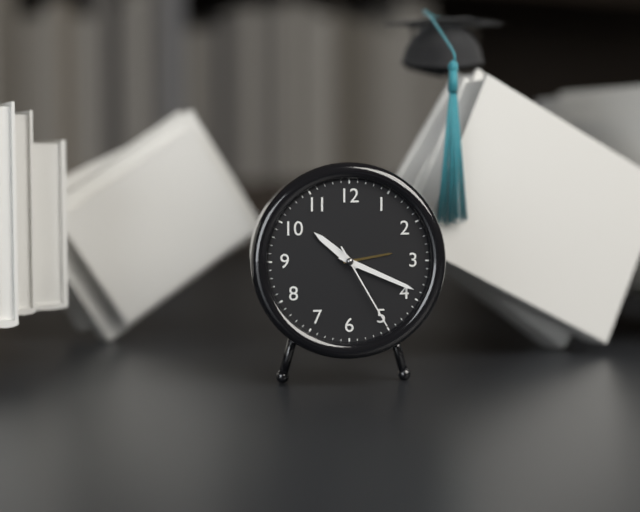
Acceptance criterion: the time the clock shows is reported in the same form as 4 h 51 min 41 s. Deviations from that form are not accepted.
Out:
10 h 19 min 25 s
